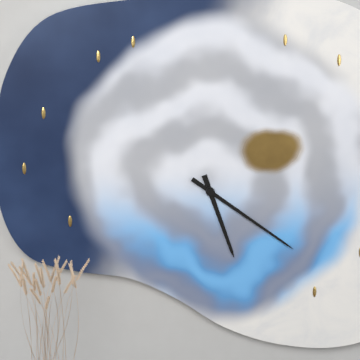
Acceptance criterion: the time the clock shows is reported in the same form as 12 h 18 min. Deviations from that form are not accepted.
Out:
5 h 21 min
